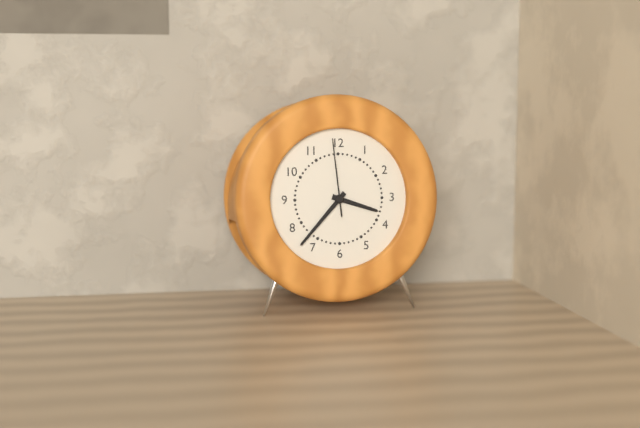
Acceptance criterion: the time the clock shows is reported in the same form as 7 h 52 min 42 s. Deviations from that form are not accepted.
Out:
3 h 37 min 59 s
